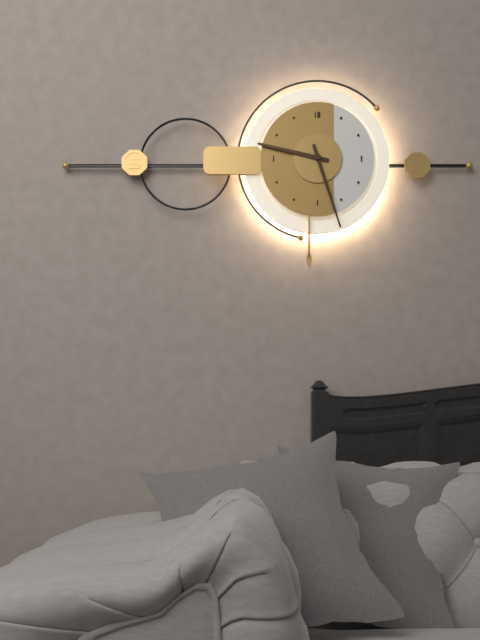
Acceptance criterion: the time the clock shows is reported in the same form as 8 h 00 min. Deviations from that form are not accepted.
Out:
9 h 27 min
